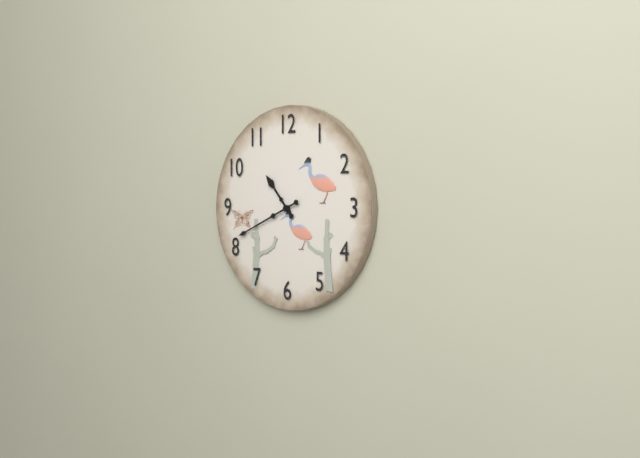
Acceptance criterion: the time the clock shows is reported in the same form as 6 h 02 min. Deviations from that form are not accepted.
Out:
10 h 41 min
